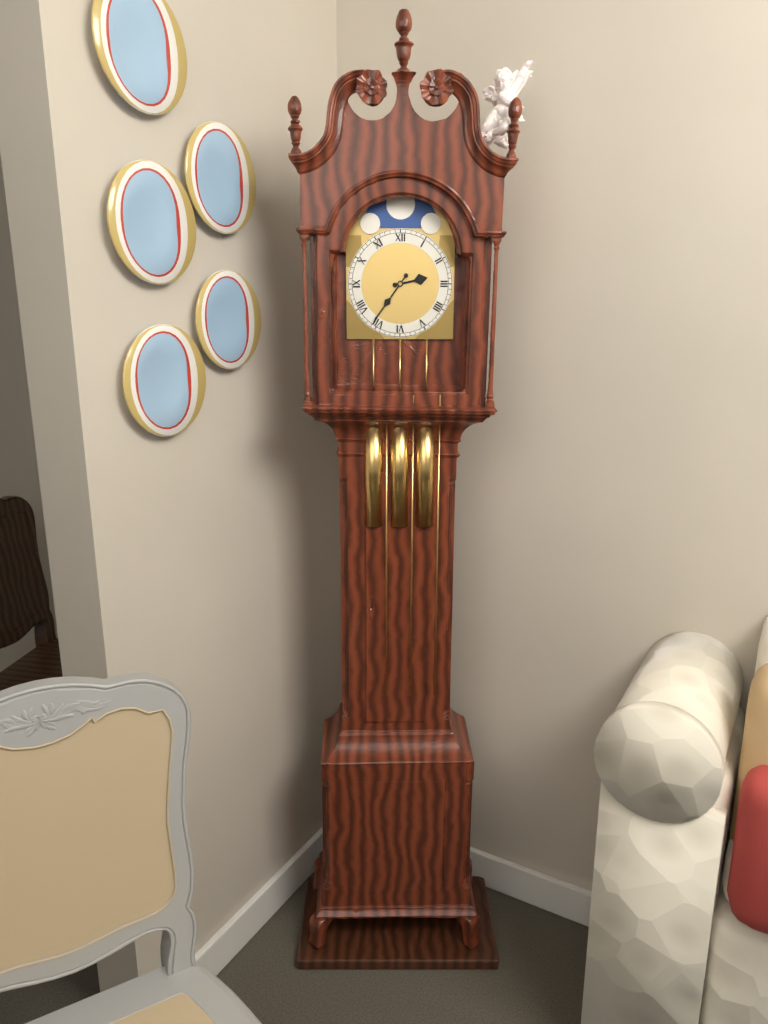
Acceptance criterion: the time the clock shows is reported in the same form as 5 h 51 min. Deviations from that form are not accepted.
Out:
2 h 36 min
